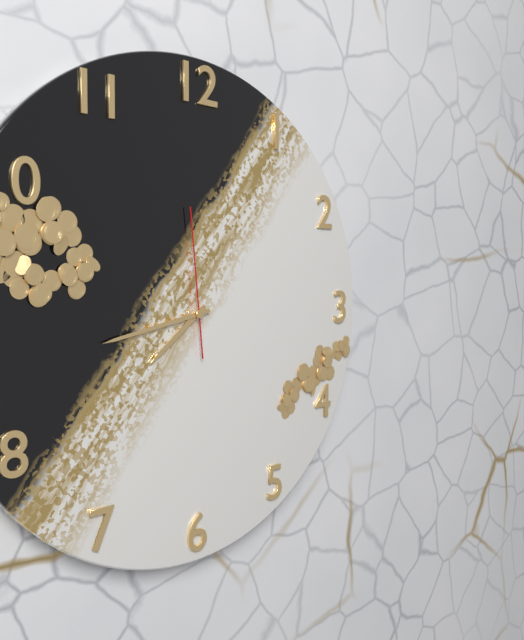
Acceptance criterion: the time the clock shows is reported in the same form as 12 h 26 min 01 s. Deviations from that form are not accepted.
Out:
7 h 43 min 59 s
